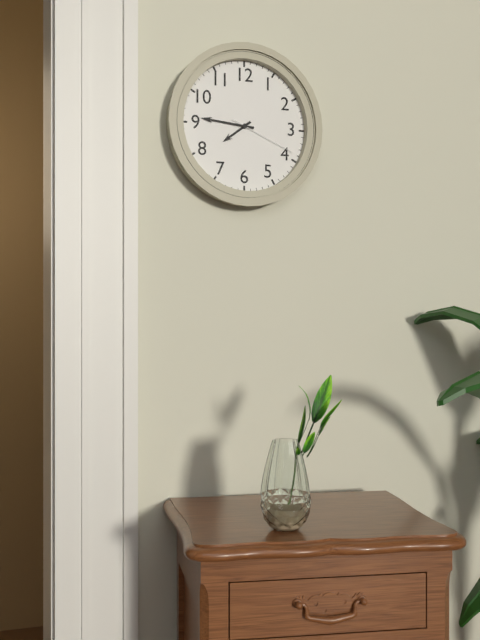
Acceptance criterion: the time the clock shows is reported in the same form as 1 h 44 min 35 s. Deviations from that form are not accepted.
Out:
7 h 46 min 19 s
